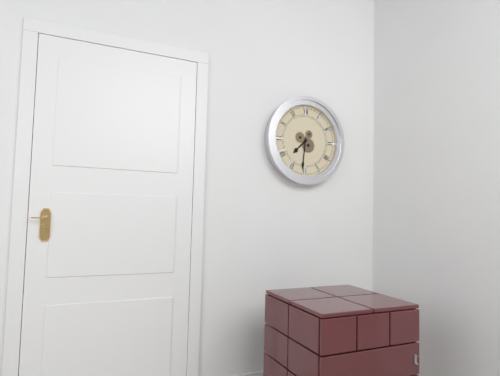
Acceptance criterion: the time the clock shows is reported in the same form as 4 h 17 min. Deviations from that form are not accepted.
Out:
7 h 31 min
